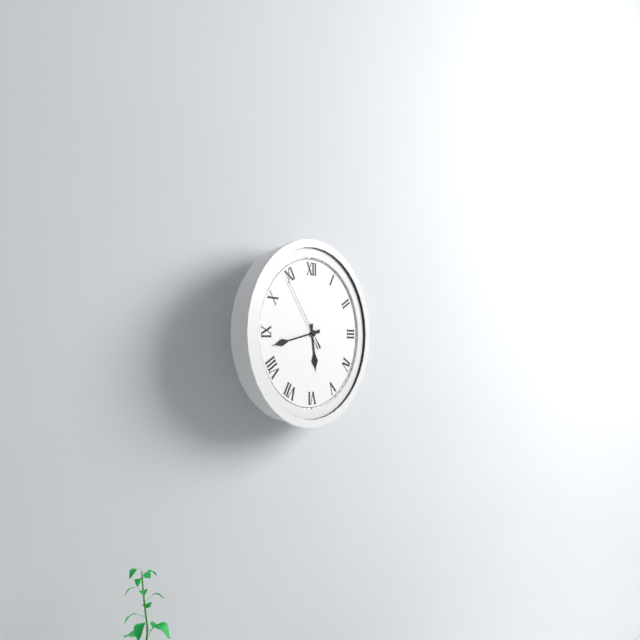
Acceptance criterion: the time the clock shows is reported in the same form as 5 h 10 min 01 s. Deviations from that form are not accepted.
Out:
5 h 43 min 54 s
